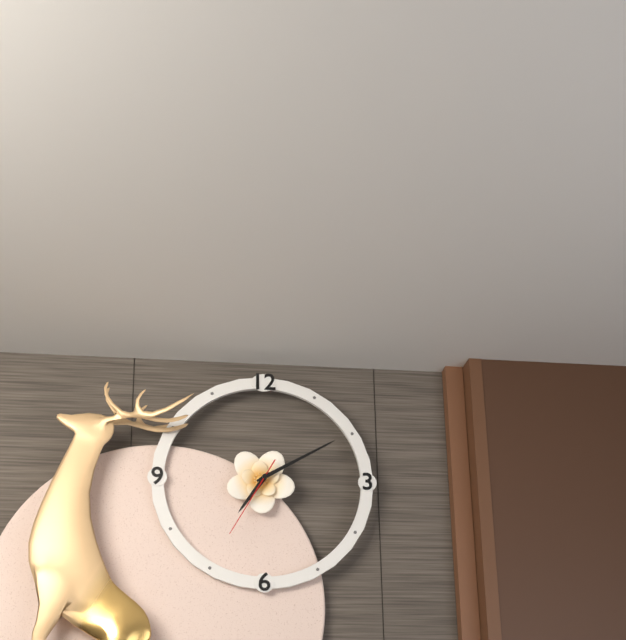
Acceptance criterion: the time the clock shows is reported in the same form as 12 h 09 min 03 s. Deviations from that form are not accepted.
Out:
7 h 10 min 35 s
